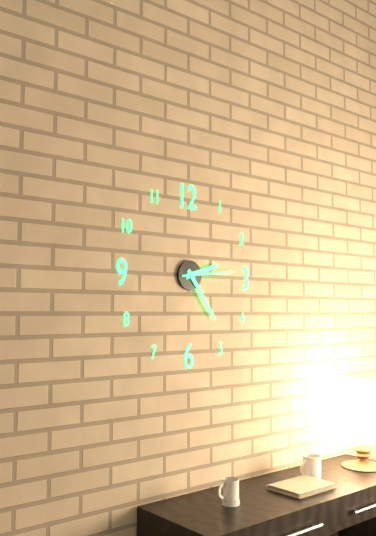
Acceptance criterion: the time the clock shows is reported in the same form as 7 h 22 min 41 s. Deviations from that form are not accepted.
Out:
2 h 24 min 14 s
